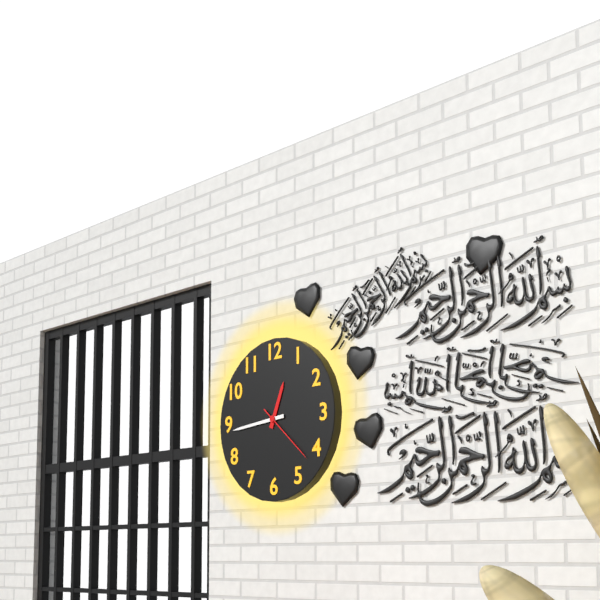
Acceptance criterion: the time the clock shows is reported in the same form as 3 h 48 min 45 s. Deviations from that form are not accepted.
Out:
12 h 44 min 22 s
